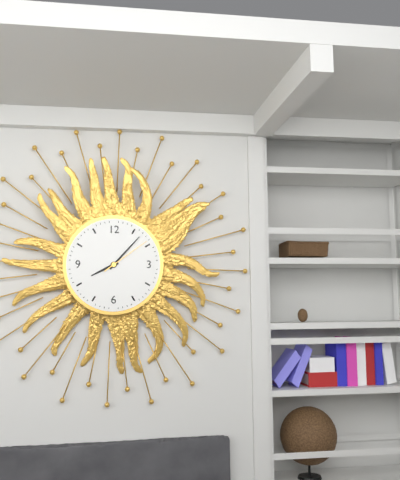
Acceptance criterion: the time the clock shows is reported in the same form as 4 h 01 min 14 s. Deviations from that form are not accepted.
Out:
8 h 07 min 09 s
